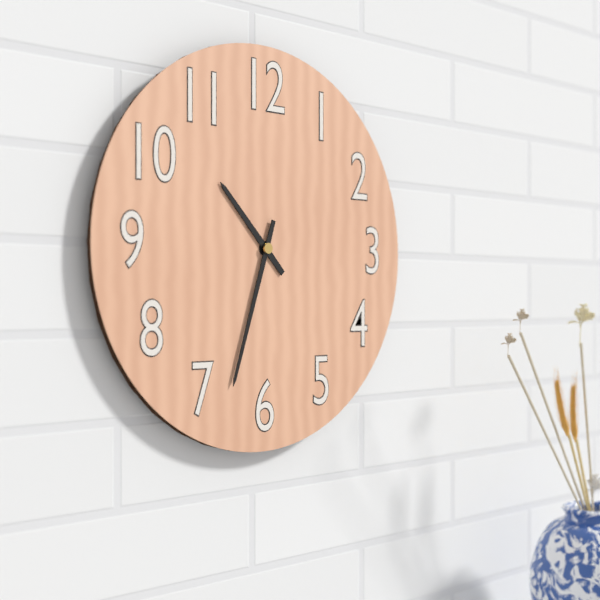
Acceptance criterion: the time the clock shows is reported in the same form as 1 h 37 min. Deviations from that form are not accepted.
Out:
10 h 33 min
